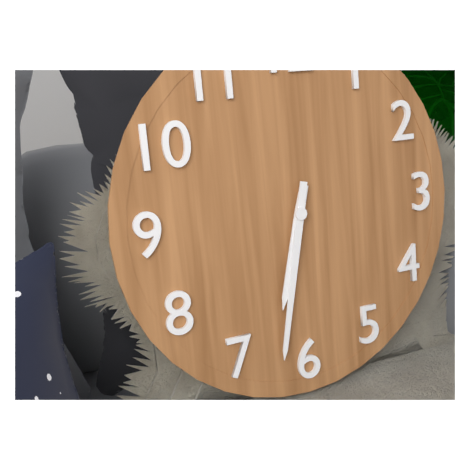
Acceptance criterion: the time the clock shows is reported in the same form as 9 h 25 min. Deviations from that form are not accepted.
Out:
6 h 32 min
